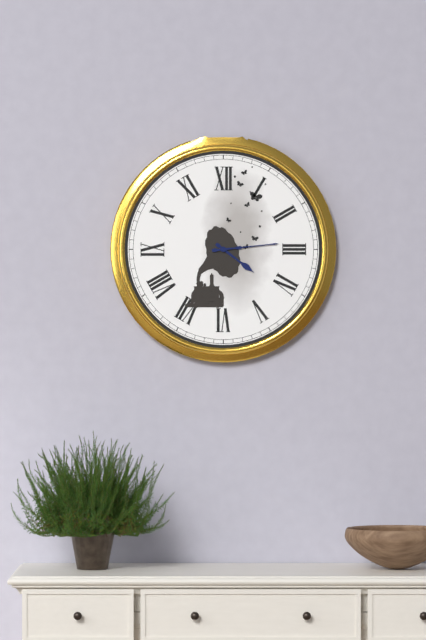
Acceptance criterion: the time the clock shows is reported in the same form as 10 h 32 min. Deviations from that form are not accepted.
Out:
4 h 14 min
